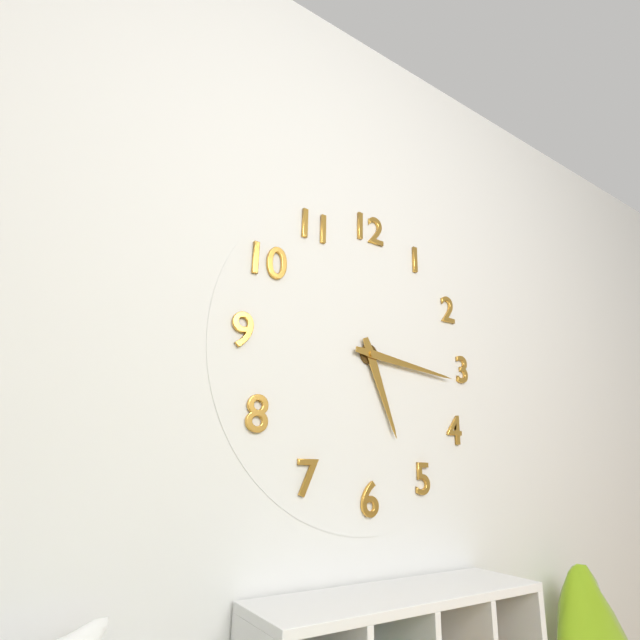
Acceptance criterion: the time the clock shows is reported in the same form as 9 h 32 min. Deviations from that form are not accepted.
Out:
5 h 16 min
